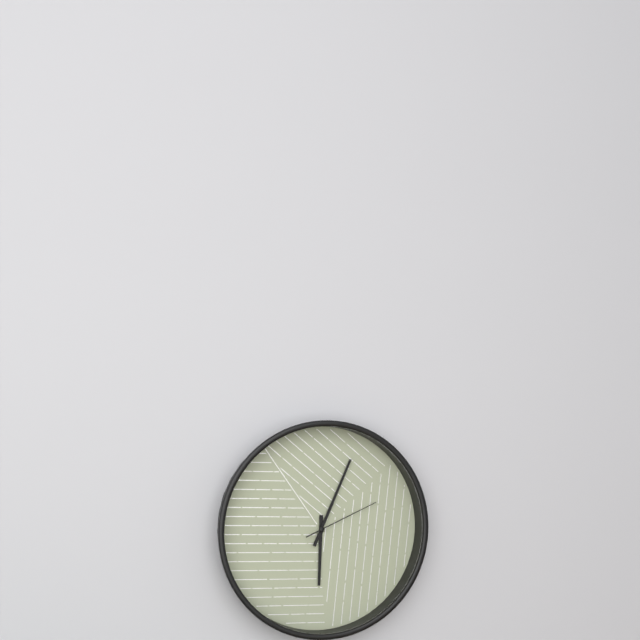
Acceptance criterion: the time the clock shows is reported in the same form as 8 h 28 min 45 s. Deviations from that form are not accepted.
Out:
6 h 04 min 11 s
